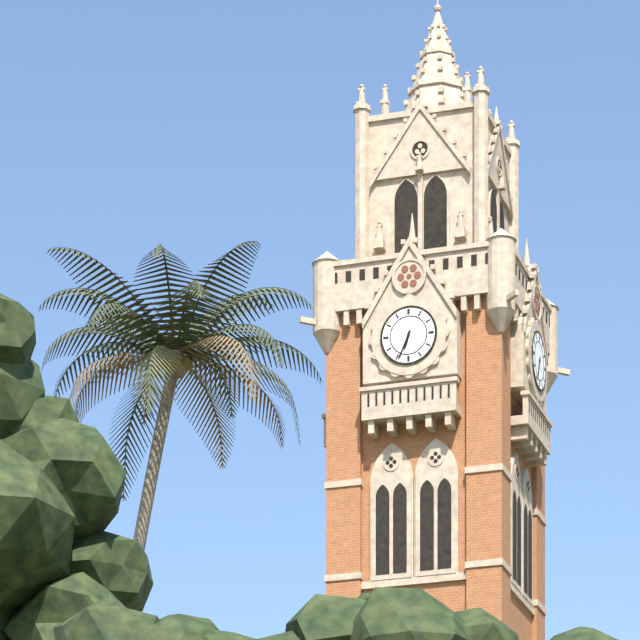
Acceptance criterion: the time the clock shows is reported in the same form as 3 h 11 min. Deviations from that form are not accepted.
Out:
6 h 34 min
